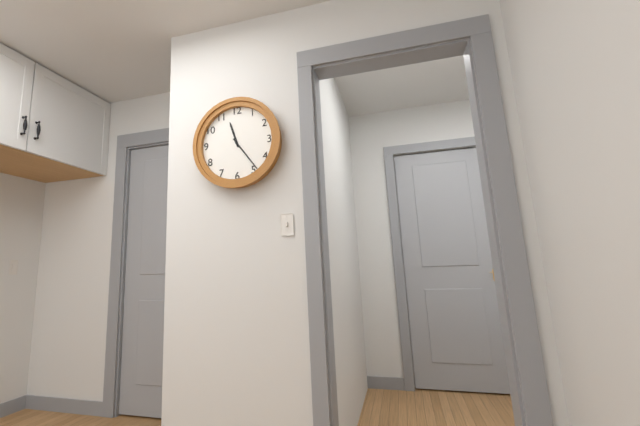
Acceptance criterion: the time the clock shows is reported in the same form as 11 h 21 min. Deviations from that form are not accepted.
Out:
11 h 24 min
